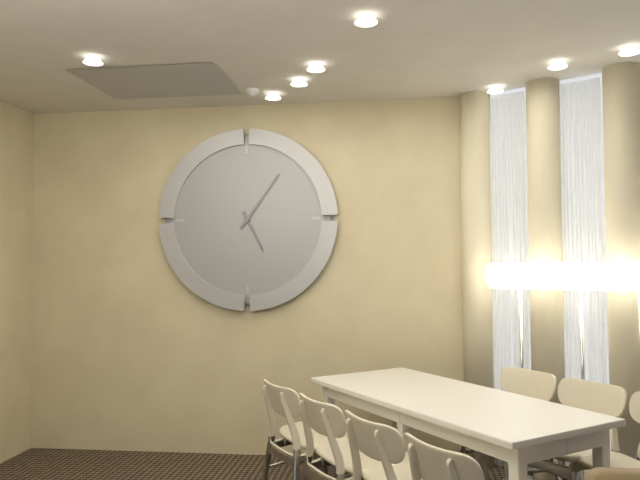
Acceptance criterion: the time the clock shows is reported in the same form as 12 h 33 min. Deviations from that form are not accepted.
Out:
5 h 06 min
